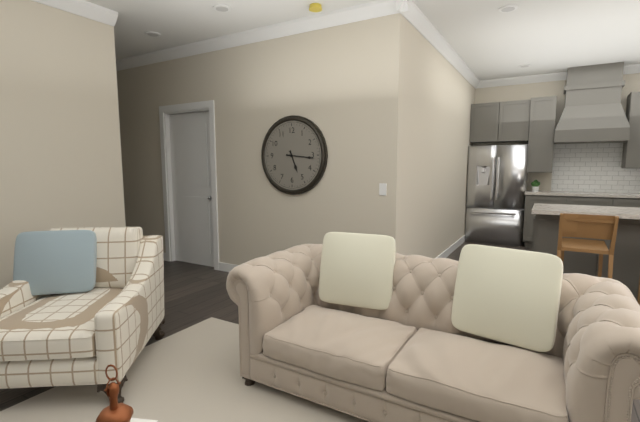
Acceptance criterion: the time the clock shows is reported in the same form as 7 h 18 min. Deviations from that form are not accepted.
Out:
5 h 16 min
